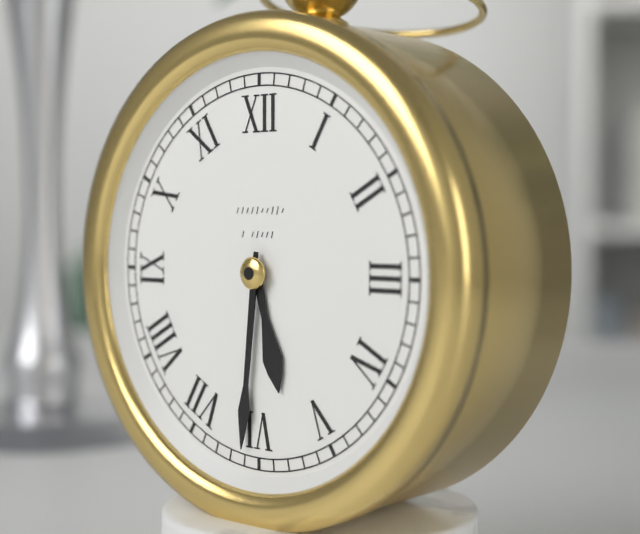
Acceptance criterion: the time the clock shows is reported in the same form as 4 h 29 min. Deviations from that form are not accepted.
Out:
5 h 31 min
